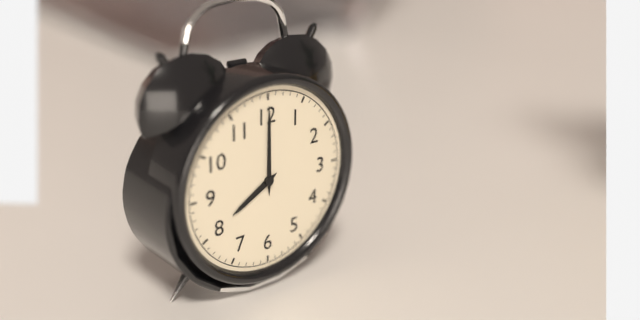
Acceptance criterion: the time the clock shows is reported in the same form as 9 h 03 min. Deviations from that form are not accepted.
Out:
8 h 00 min
